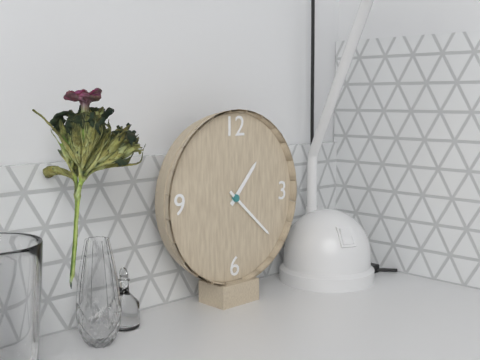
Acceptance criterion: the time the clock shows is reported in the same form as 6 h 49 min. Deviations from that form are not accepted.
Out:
1 h 22 min
